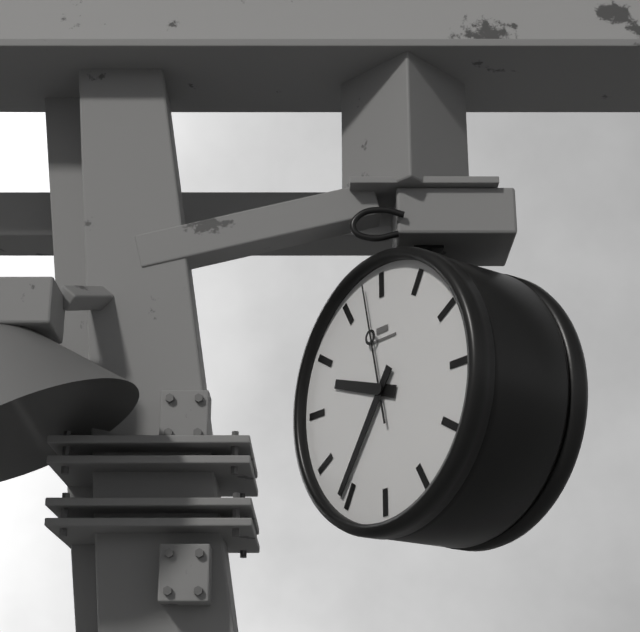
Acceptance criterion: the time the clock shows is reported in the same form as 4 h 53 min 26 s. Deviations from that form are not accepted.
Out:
9 h 36 min 58 s
